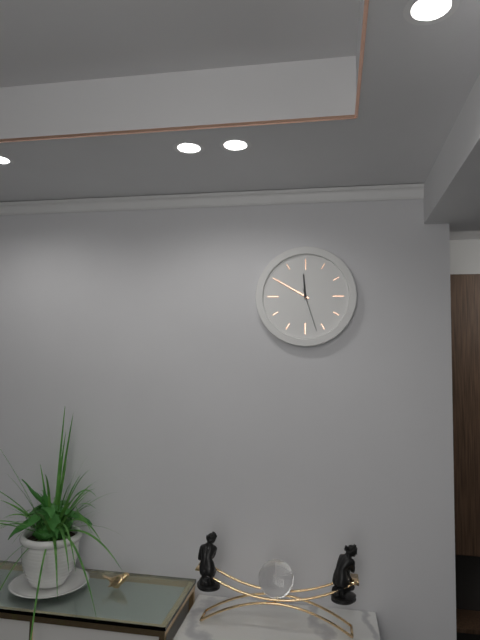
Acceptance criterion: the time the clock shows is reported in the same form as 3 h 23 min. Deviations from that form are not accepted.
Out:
11 h 50 min
